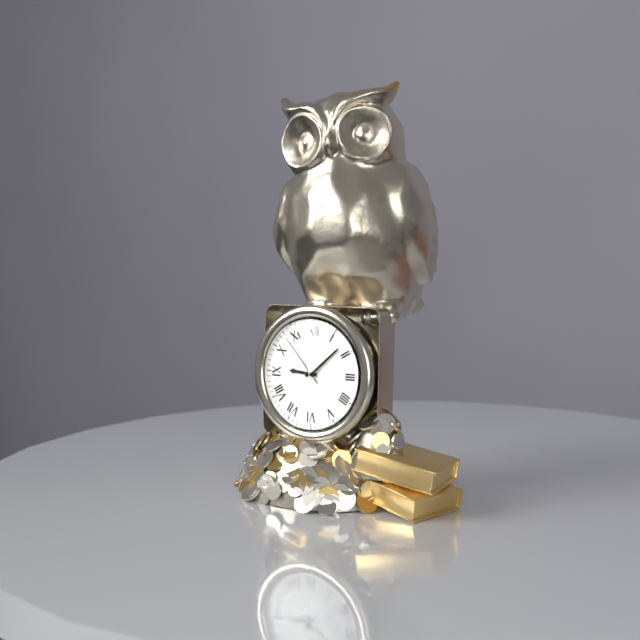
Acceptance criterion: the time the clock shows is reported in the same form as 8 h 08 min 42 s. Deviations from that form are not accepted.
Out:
9 h 08 min 53 s
